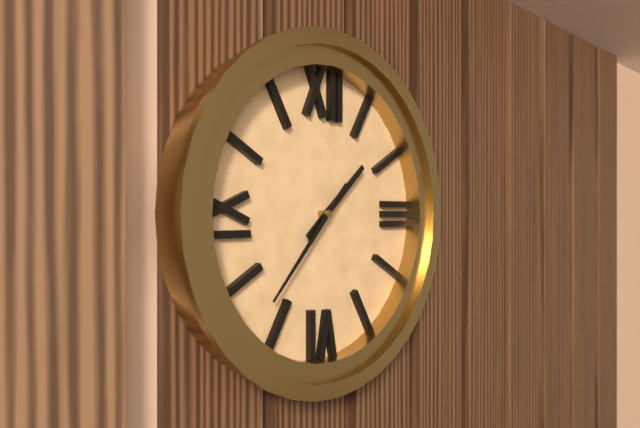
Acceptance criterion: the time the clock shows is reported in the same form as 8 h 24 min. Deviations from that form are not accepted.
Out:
1 h 37 min
